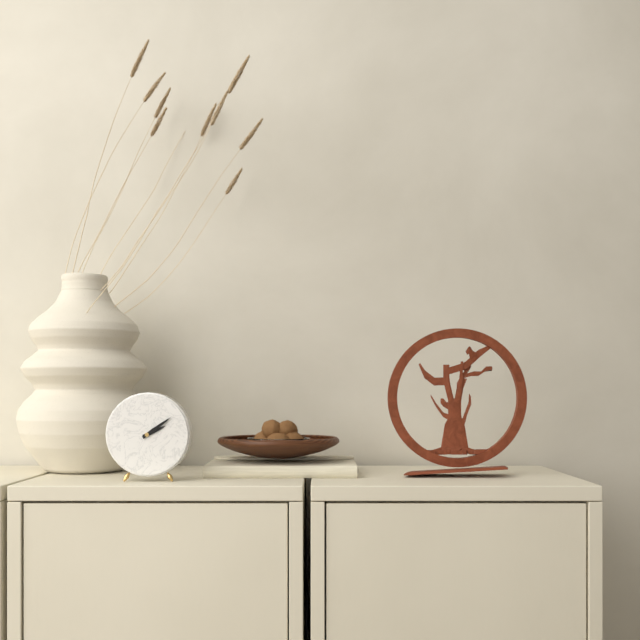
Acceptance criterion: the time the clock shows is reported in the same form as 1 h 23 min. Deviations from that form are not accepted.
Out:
2 h 09 min
